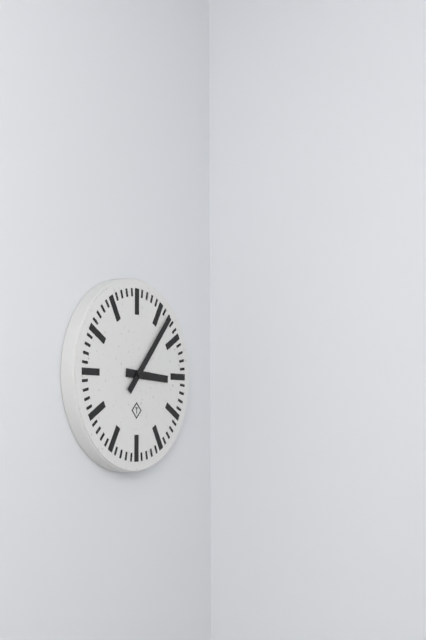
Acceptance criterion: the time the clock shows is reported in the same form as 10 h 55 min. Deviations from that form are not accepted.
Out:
3 h 07 min
